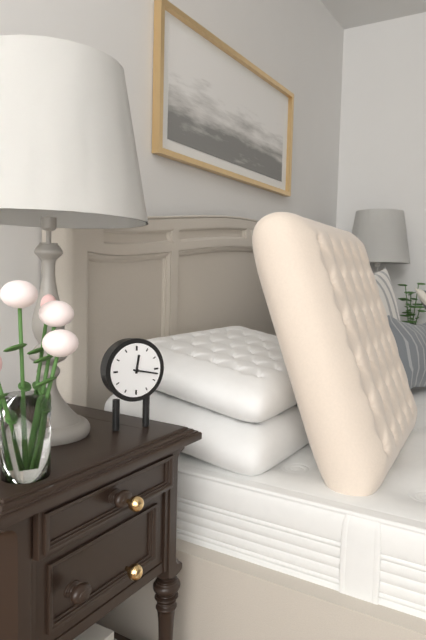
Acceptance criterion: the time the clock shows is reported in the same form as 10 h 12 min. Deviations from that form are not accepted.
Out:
12 h 17 min
